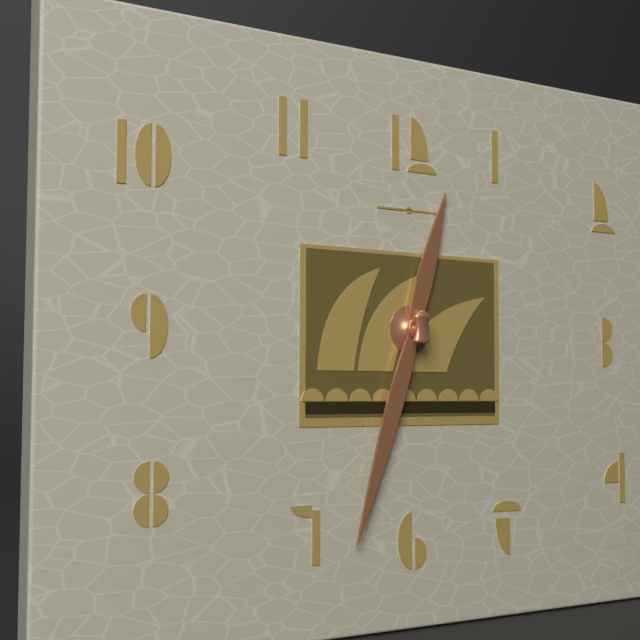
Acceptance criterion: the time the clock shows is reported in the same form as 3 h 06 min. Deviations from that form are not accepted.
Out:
12 h 33 min
